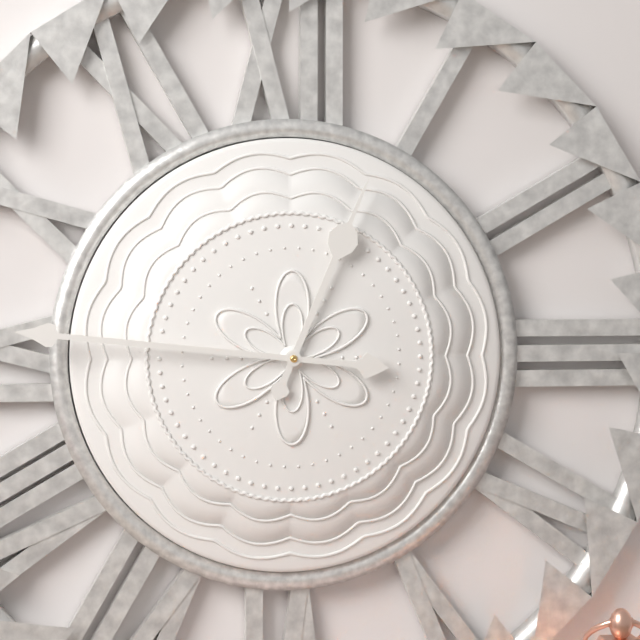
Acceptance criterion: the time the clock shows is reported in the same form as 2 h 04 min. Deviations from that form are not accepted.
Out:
12 h 46 min
